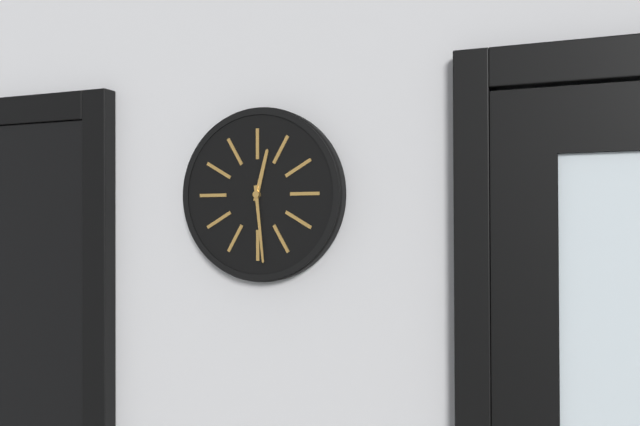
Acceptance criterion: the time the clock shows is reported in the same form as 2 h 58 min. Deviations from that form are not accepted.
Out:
12 h 29 min
